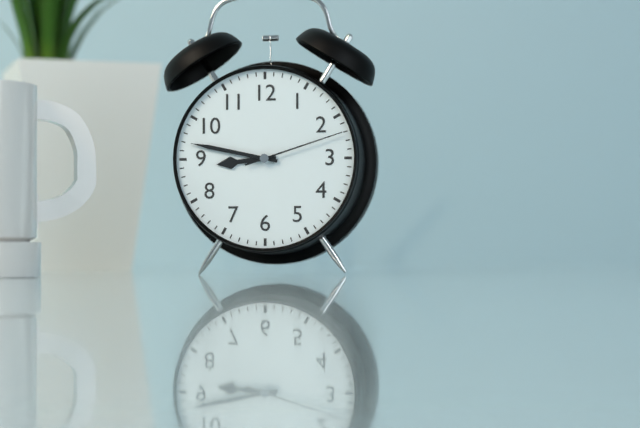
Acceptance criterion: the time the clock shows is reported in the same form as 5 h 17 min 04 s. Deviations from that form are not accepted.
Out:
8 h 47 min 12 s
